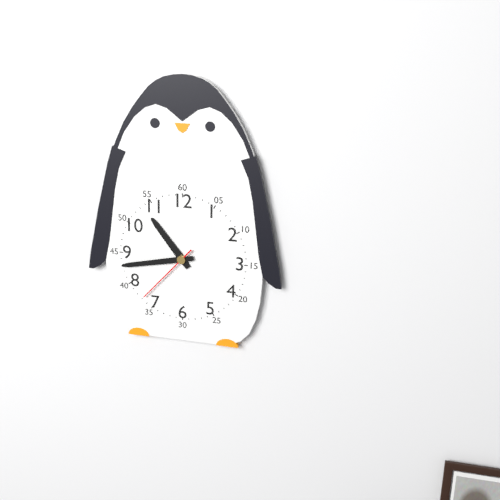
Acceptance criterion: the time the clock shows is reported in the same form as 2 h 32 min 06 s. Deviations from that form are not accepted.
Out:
10 h 43 min 37 s
